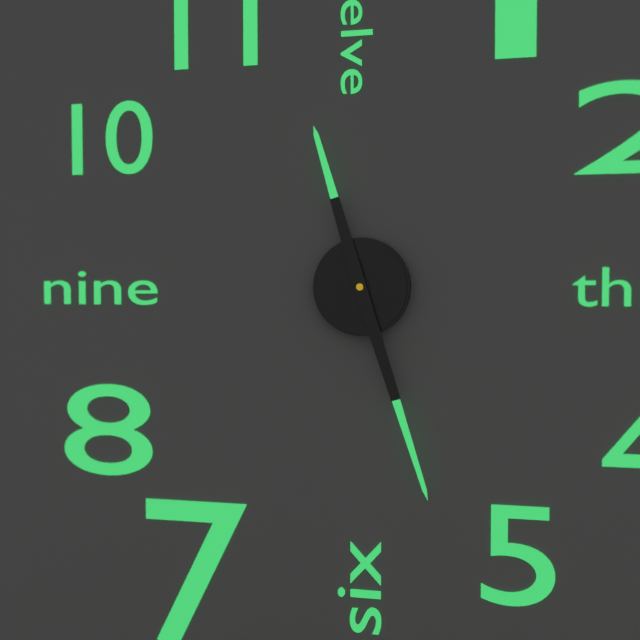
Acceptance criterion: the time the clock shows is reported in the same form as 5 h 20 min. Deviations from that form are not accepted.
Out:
11 h 27 min
